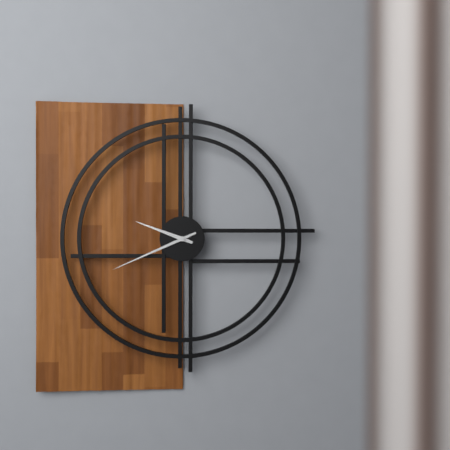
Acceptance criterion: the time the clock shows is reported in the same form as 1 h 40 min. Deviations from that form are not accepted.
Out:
9 h 41 min
